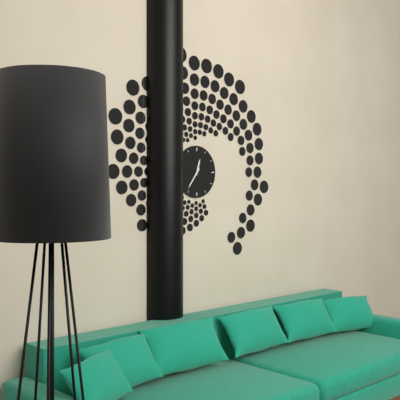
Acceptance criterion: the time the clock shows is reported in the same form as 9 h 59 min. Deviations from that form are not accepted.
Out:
12 h 36 min
